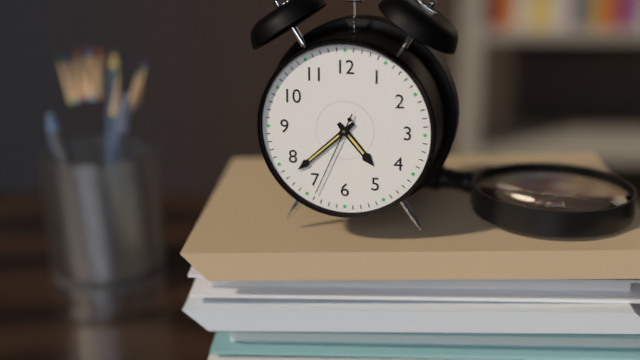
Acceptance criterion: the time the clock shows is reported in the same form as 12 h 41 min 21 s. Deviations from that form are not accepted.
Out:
4 h 38 min 34 s
